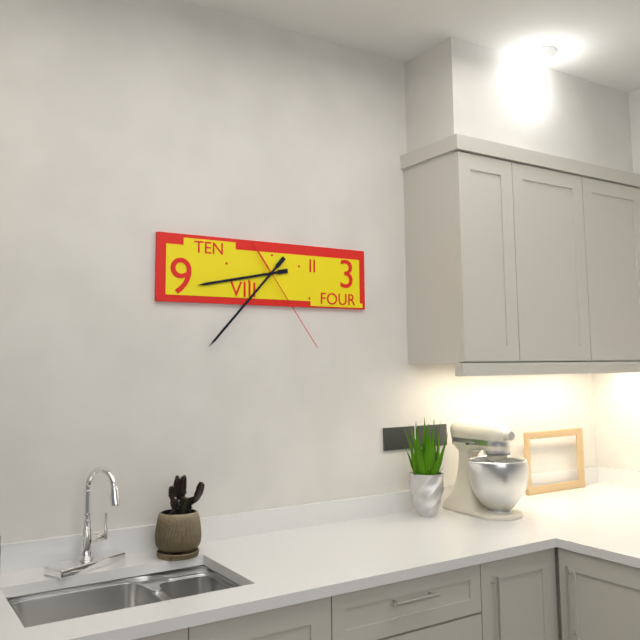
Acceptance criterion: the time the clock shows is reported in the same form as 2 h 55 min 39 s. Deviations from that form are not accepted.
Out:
8 h 37 min 24 s
